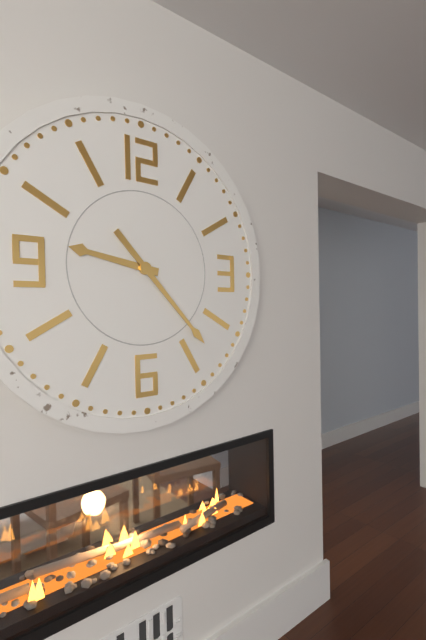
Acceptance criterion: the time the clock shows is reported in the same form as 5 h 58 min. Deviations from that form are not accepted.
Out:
9 h 23 min
